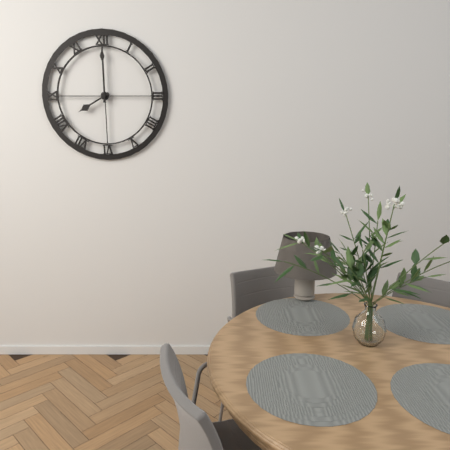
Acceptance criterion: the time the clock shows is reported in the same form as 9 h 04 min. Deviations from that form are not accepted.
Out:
8 h 00 min
